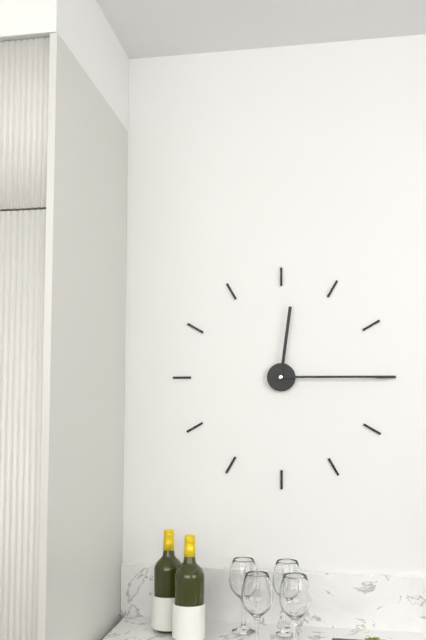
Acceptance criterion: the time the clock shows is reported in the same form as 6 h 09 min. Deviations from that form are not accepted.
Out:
12 h 15 min
